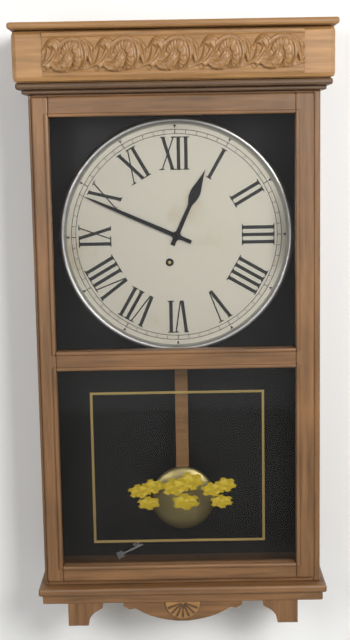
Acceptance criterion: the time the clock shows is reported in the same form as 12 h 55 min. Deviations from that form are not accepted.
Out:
12 h 49 min
